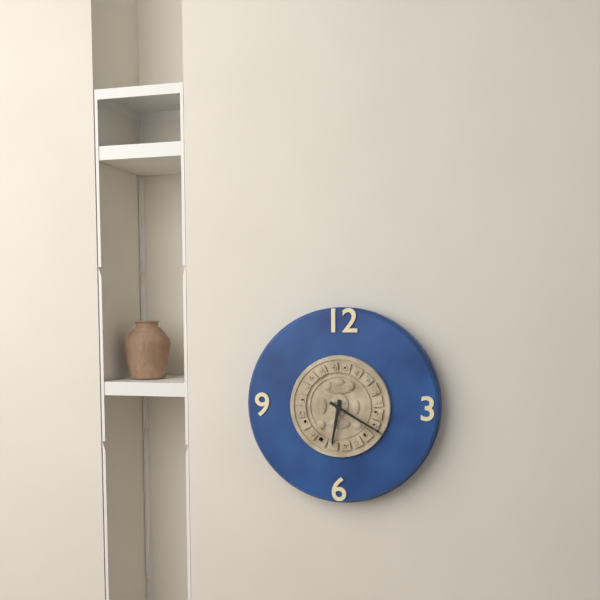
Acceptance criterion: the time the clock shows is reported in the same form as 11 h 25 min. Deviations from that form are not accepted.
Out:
6 h 20 min
